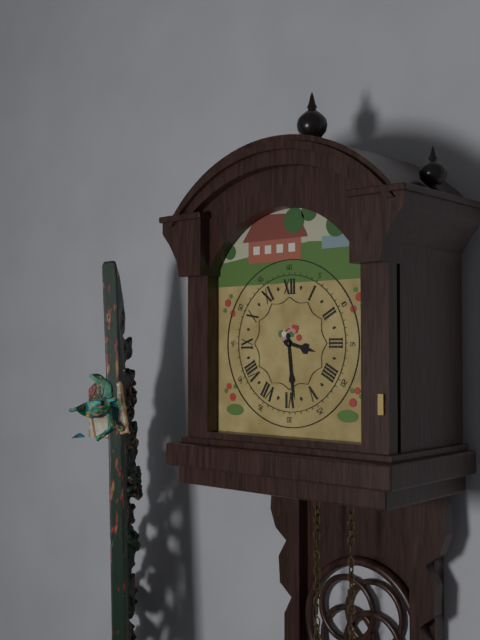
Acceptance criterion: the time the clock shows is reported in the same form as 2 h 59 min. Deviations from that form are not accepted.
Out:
3 h 29 min
